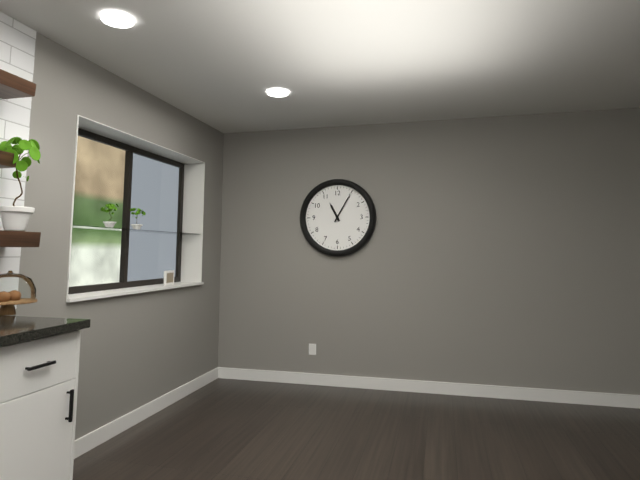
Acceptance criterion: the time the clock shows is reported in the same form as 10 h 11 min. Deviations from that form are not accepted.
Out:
11 h 05 min
